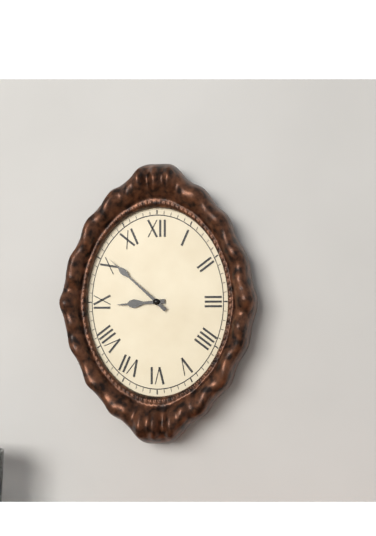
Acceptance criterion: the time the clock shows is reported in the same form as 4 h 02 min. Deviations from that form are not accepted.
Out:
8 h 52 min
